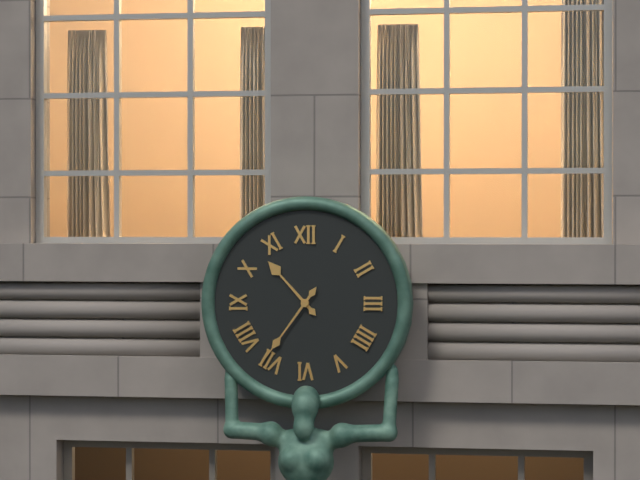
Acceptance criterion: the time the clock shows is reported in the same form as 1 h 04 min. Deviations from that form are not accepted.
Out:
10 h 36 min
